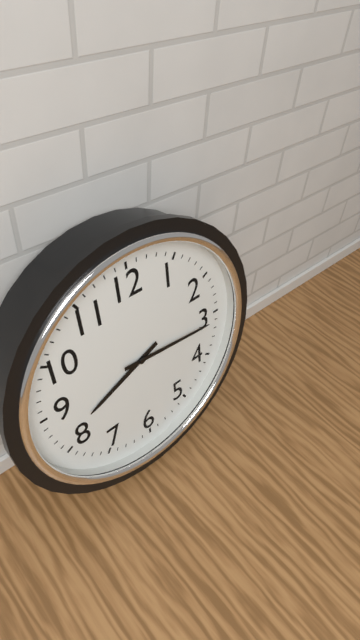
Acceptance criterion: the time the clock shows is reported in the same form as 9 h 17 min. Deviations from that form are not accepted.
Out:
8 h 16 min
